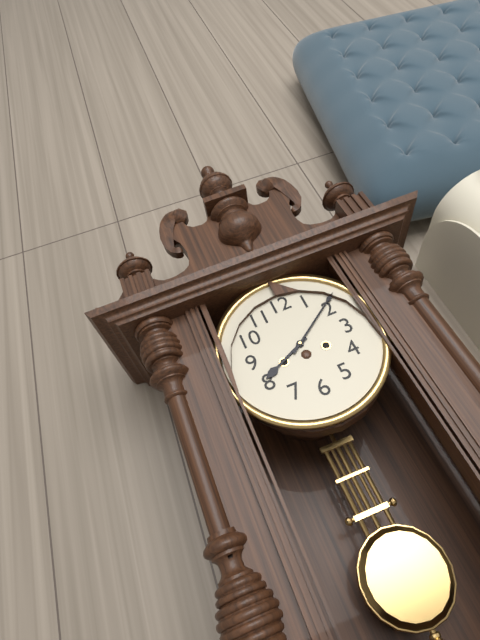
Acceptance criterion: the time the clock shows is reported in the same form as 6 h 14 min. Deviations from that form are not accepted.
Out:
8 h 09 min
